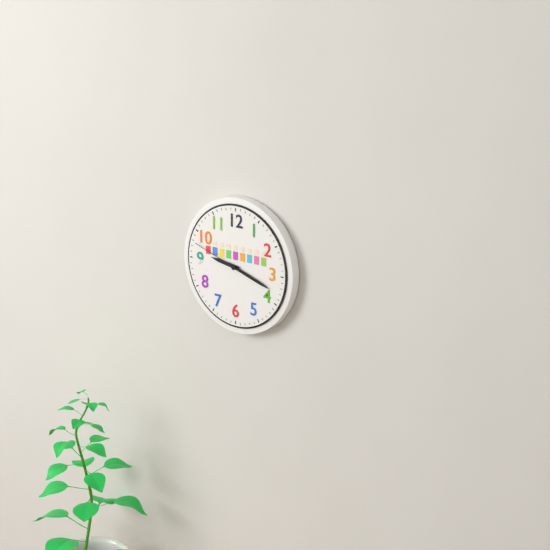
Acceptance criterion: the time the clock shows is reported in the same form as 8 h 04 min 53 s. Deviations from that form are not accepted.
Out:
9 h 18 min 48 s
